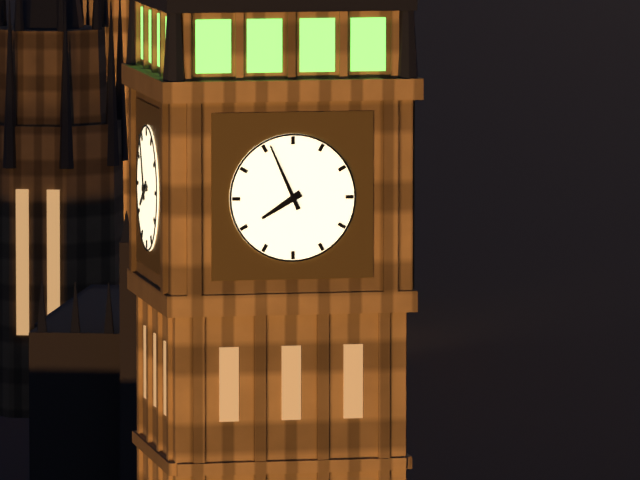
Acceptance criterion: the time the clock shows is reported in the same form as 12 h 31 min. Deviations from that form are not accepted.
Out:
7 h 56 min
